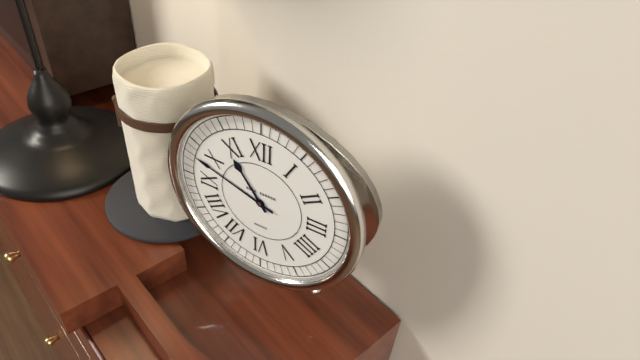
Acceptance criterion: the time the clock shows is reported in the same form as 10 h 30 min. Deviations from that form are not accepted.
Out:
10 h 48 min
